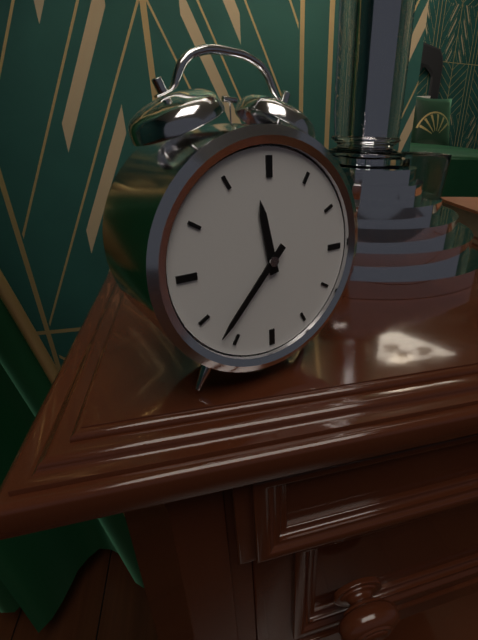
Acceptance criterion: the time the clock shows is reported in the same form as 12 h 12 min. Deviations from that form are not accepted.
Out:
11 h 37 min
